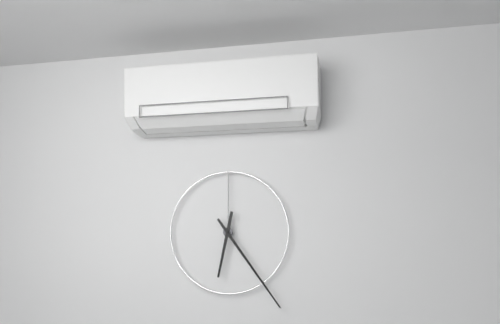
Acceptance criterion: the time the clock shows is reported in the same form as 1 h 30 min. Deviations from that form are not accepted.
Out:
6 h 24 min
